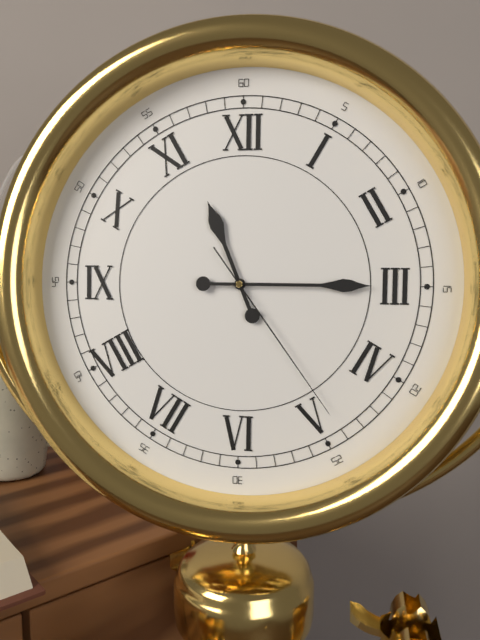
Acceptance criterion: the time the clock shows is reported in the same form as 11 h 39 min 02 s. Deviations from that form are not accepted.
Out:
11 h 15 min 24 s
